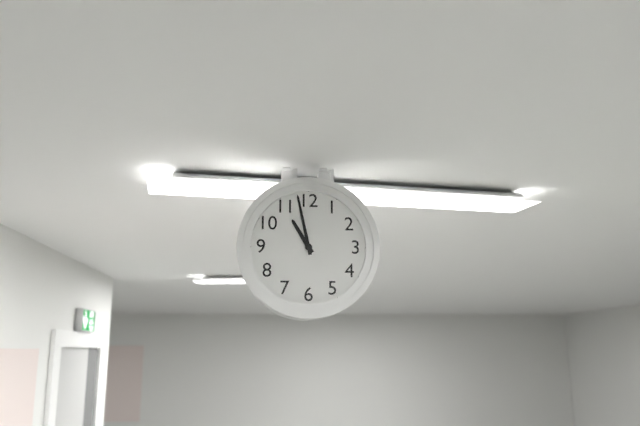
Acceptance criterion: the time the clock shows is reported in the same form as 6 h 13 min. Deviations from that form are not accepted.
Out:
10 h 58 min
